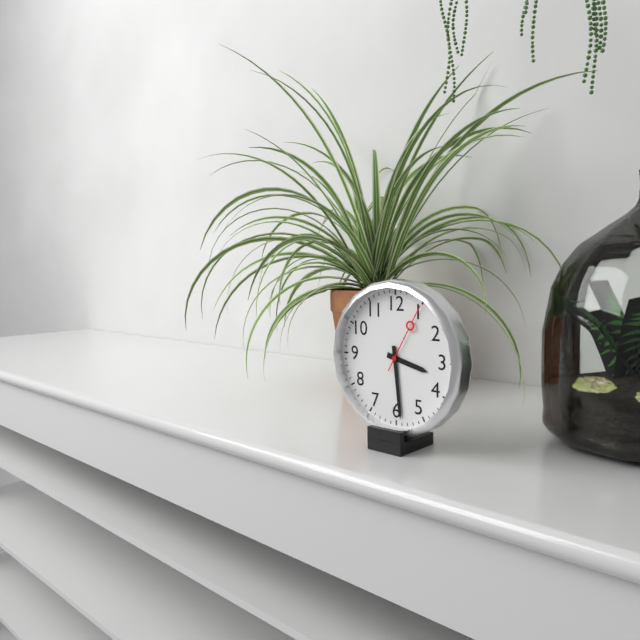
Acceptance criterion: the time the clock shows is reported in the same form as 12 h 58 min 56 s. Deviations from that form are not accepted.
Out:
3 h 29 min 05 s
